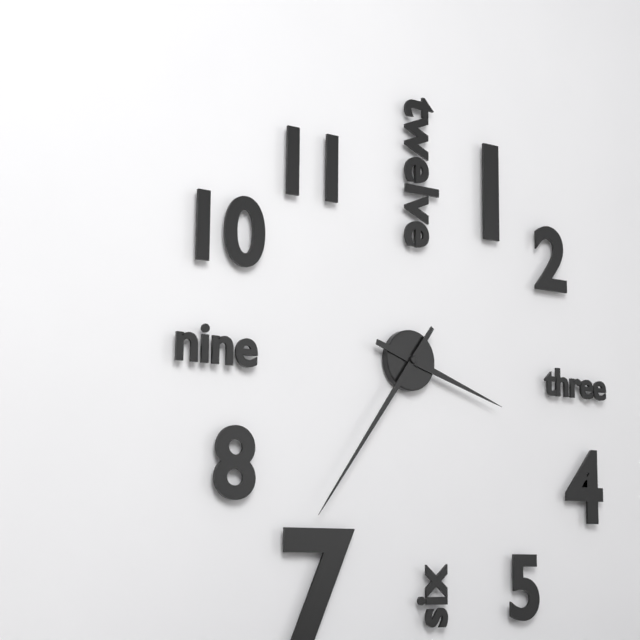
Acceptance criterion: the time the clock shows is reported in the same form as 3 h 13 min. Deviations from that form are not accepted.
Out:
3 h 36 min
